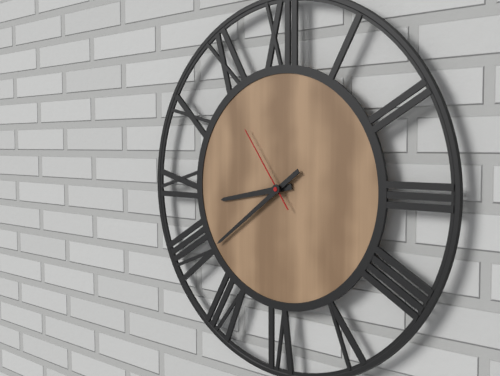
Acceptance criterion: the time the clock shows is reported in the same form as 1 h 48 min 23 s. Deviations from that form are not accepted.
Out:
8 h 39 min 54 s
